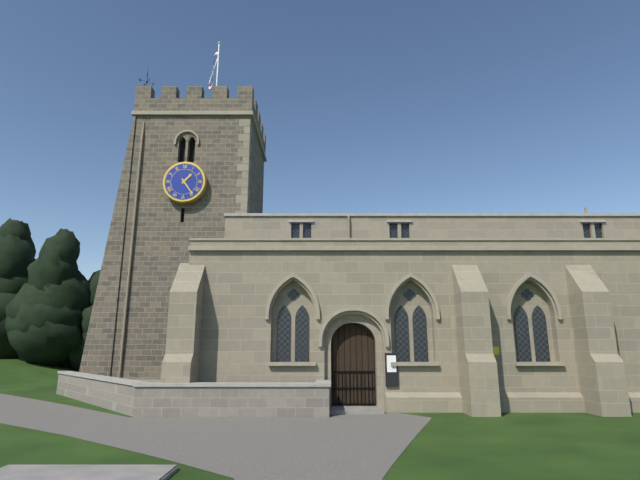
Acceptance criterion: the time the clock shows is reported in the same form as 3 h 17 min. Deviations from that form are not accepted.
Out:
1 h 24 min
